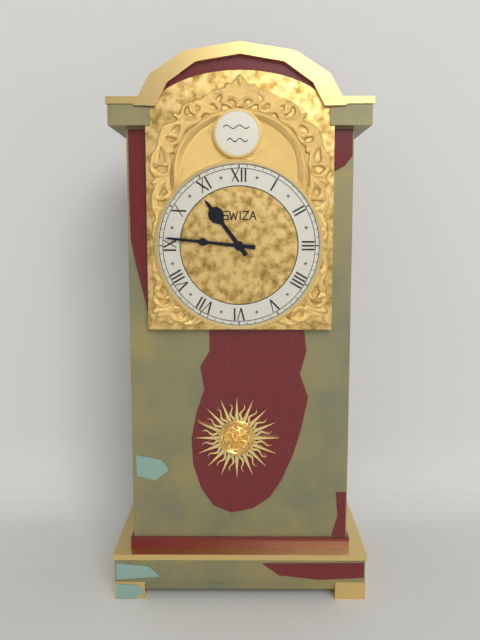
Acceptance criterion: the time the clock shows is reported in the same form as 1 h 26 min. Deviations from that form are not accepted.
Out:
10 h 46 min
